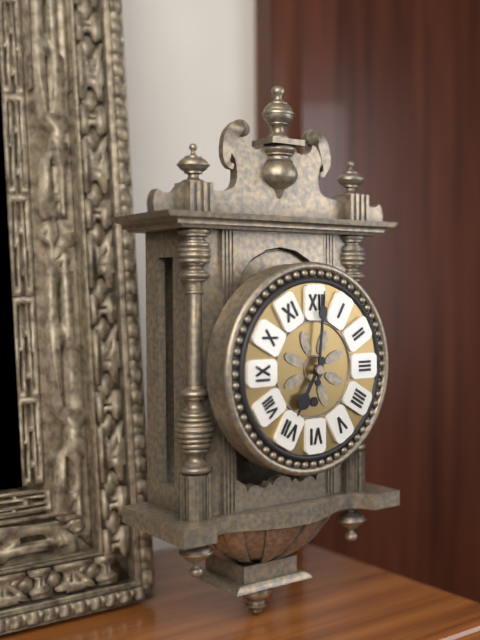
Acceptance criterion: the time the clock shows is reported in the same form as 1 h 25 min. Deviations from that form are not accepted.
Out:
7 h 01 min
